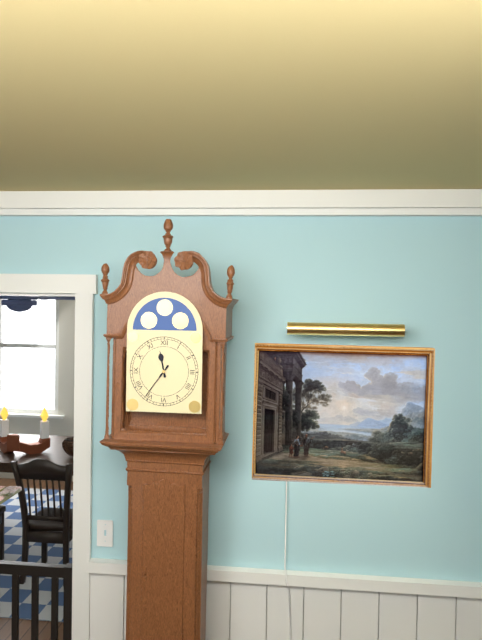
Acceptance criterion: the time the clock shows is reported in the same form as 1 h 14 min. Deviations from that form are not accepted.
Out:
11 h 36 min
